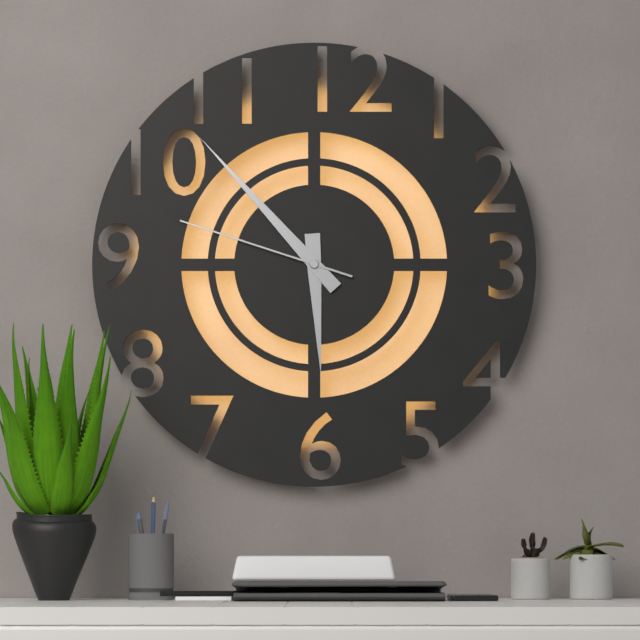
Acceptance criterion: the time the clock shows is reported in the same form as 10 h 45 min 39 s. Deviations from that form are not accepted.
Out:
5 h 53 min 48 s
